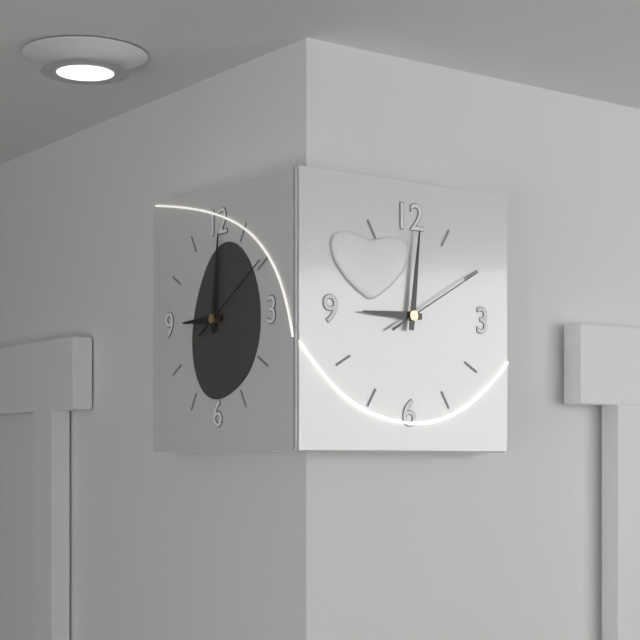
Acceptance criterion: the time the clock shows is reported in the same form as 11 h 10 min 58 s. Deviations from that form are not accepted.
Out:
9 h 01 min 10 s
